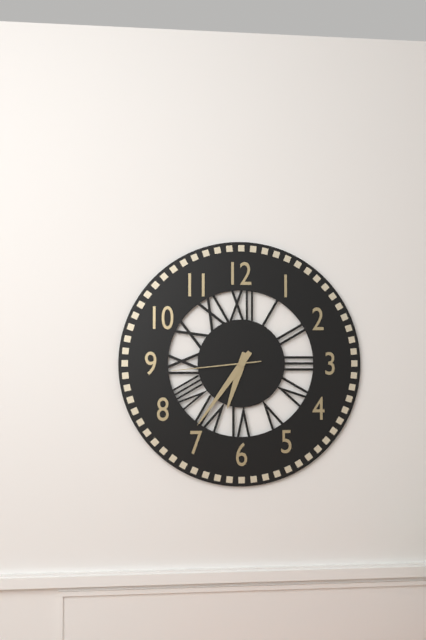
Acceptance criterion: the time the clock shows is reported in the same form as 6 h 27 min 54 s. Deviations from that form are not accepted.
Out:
6 h 36 min 44 s
